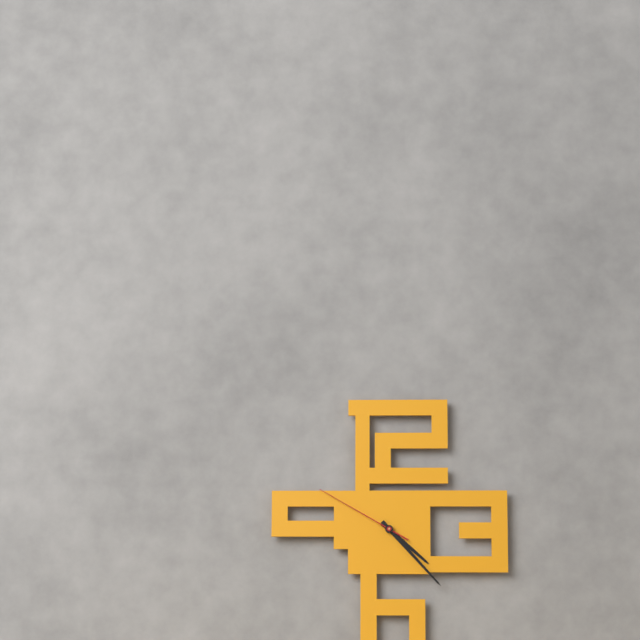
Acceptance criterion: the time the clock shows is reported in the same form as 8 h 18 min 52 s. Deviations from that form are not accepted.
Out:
4 h 23 min 50 s
